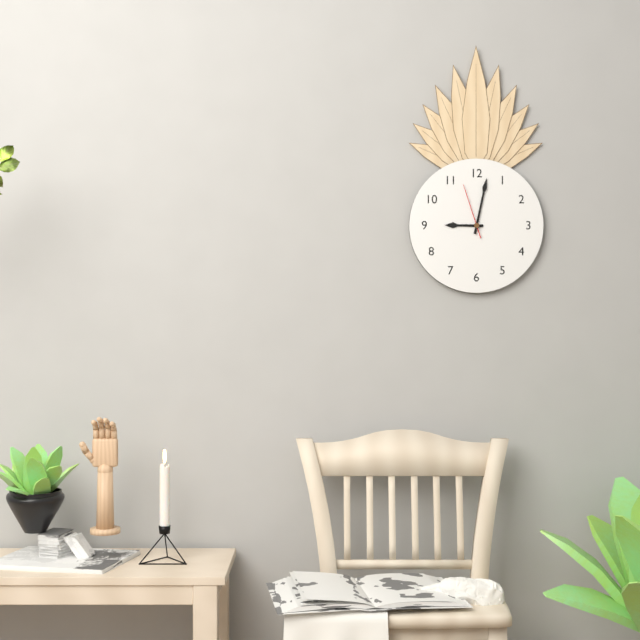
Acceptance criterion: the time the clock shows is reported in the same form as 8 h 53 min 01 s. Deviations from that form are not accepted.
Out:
9 h 02 min 57 s
